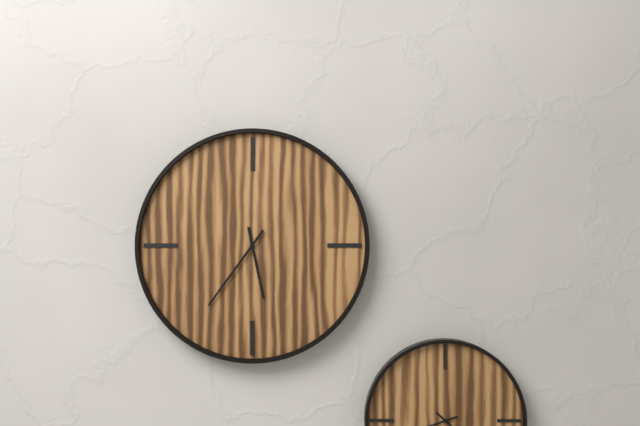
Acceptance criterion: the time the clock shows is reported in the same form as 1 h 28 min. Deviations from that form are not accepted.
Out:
5 h 36 min
